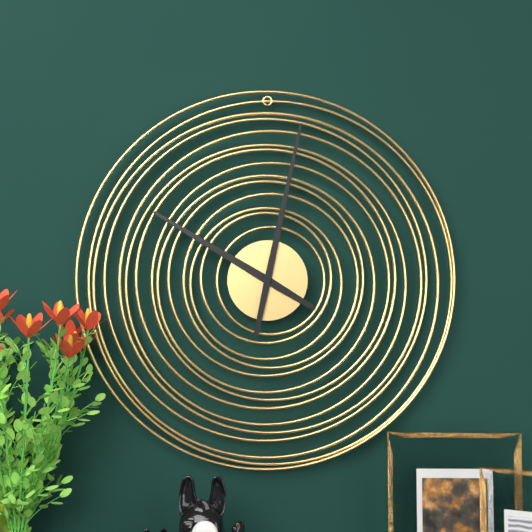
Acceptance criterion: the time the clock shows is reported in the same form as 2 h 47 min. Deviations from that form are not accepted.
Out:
10 h 02 min
